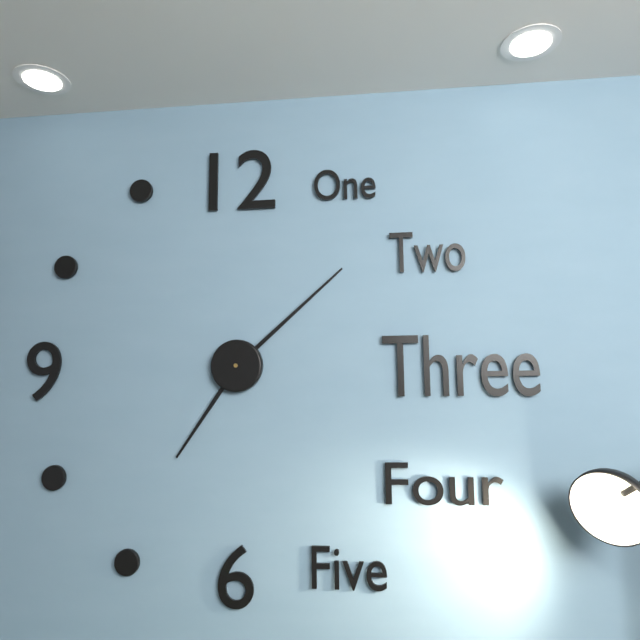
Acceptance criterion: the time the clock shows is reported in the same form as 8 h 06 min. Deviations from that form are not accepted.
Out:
7 h 08 min
